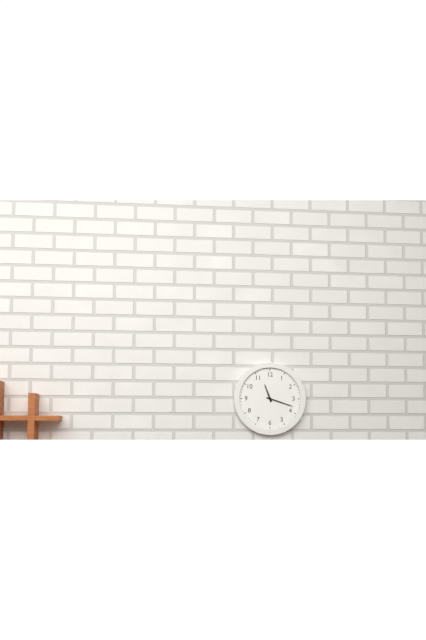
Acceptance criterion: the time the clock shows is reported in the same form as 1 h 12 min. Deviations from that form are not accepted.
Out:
11 h 18 min
